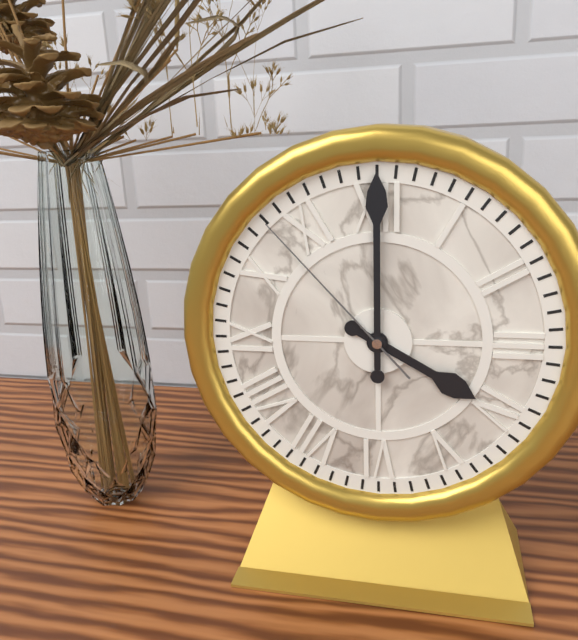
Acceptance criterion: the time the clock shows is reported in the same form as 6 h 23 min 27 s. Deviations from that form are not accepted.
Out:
4 h 00 min 53 s
